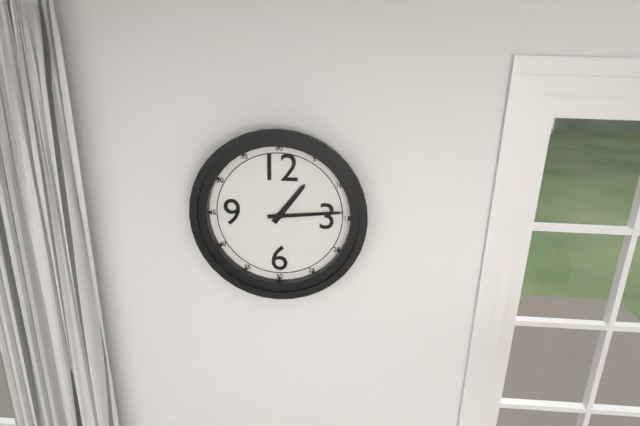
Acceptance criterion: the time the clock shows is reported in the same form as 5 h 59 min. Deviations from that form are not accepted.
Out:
1 h 14 min
